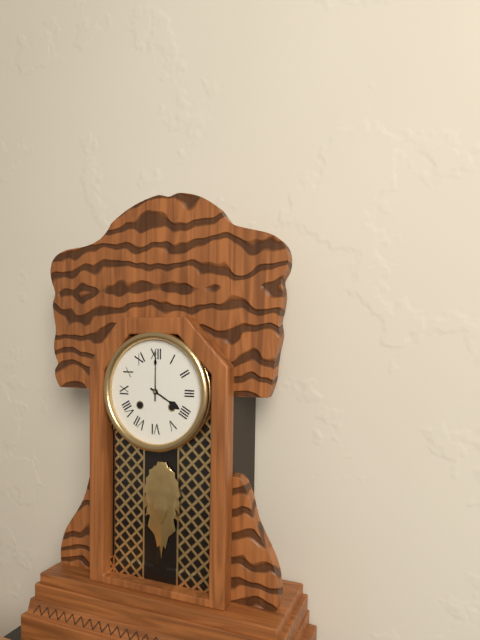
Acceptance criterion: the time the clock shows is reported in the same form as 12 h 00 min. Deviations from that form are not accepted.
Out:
4 h 00 min
